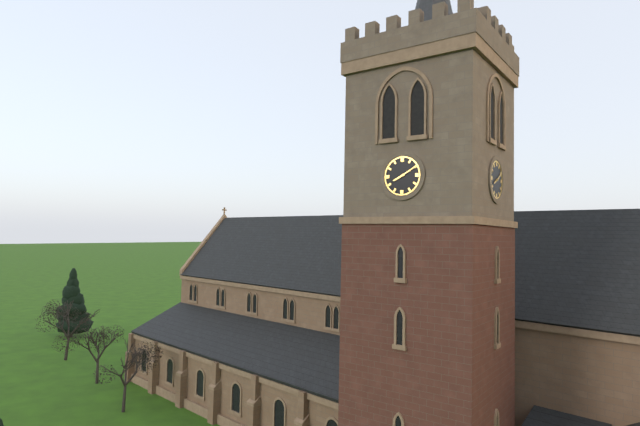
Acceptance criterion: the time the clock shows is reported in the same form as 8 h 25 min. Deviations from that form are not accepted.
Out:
8 h 10 min
